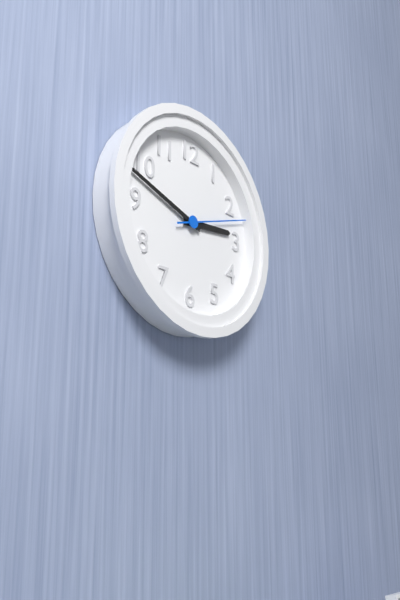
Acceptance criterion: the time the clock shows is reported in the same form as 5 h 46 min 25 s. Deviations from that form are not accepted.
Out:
2 h 48 min 12 s
